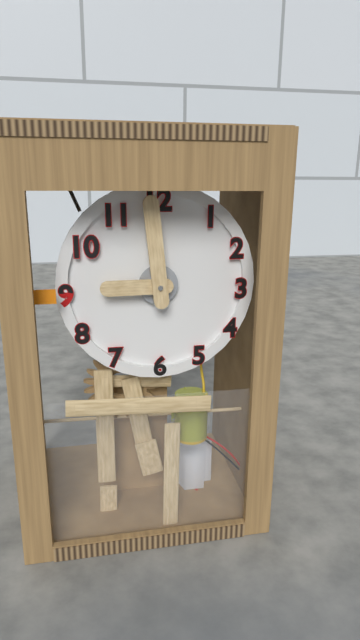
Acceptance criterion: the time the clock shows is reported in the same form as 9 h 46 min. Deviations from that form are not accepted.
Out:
8 h 59 min
